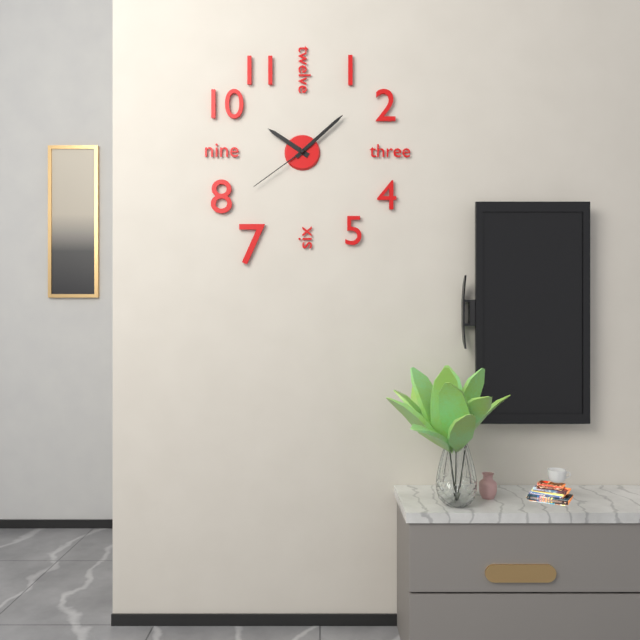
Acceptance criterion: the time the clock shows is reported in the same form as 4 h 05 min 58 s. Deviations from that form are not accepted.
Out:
10 h 08 min 39 s
